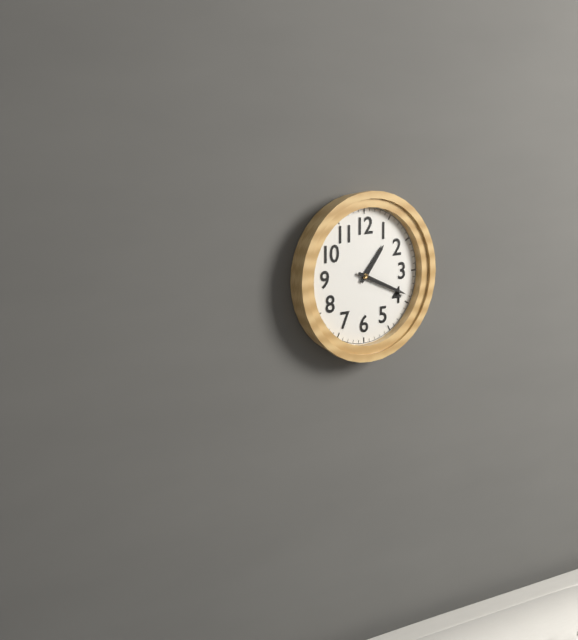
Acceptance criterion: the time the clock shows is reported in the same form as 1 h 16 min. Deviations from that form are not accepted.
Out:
1 h 19 min
